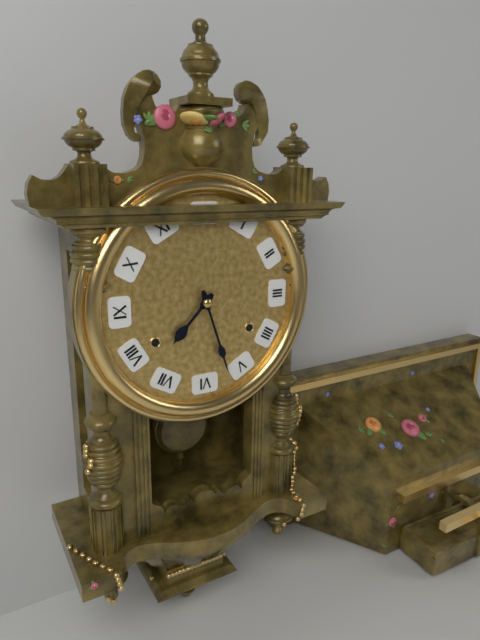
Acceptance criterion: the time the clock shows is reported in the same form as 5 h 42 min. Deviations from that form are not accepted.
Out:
7 h 27 min
